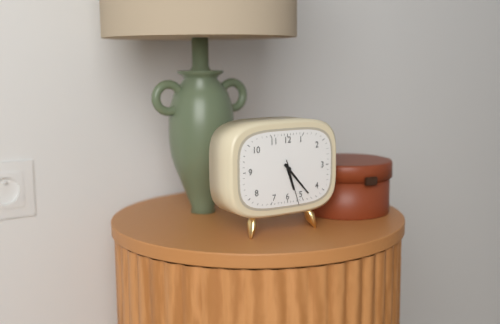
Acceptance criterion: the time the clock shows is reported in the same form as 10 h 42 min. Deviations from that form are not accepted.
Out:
5 h 23 min
